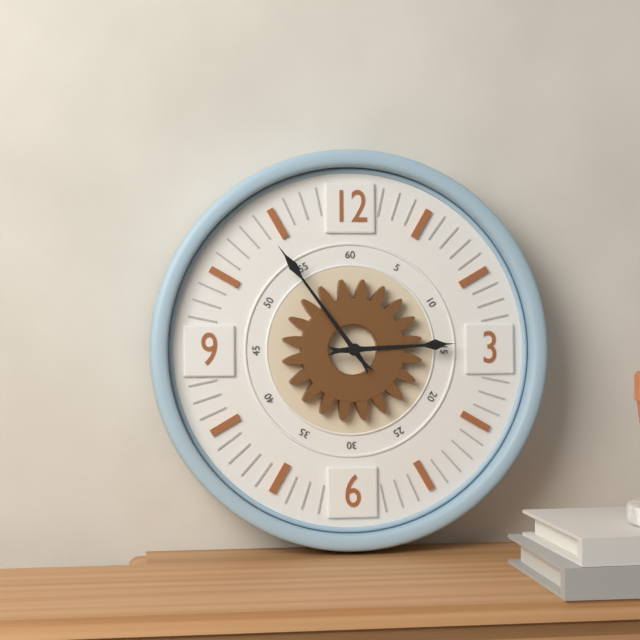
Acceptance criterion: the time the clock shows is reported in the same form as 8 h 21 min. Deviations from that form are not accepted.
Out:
2 h 54 min
